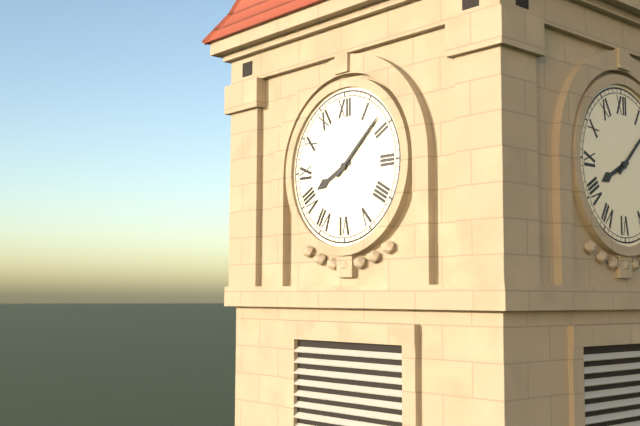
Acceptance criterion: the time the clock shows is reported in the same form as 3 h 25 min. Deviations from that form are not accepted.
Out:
8 h 08 min
